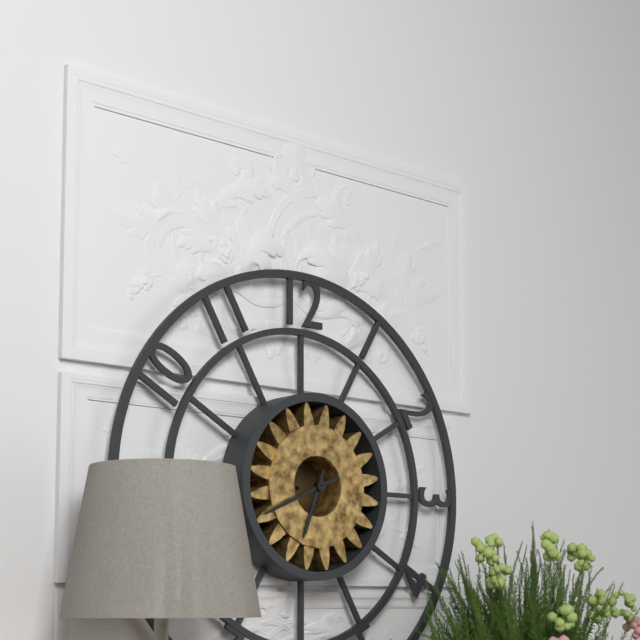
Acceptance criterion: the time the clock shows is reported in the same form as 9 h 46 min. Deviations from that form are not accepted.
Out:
6 h 41 min
